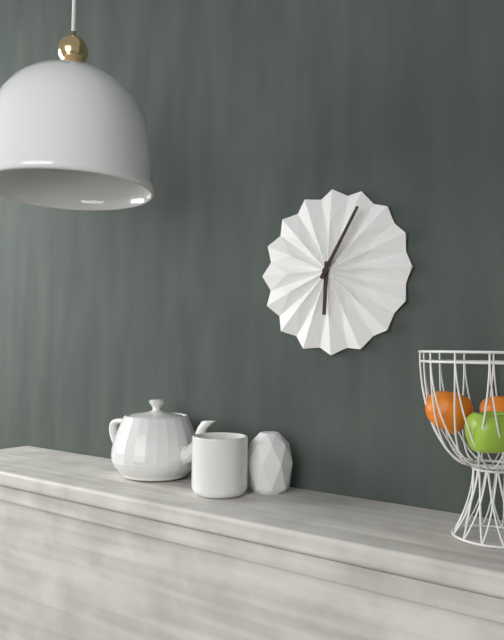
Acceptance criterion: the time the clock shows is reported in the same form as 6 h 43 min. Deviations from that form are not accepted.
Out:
6 h 05 min
